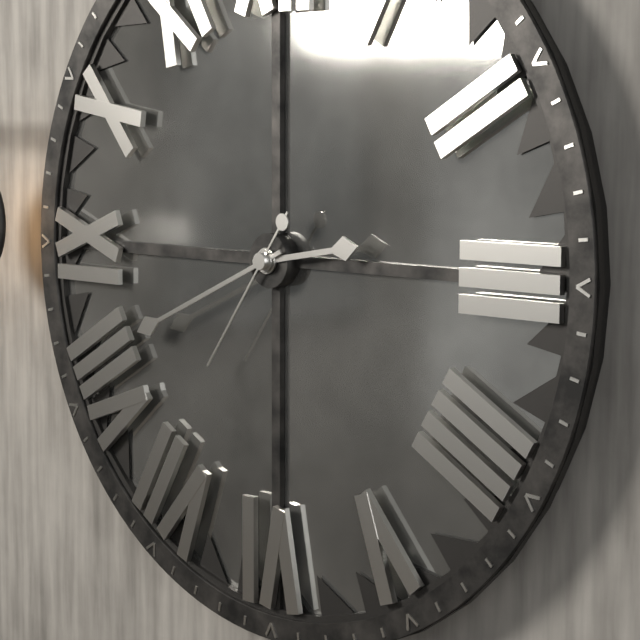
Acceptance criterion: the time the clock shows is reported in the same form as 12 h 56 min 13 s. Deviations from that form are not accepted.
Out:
2 h 41 min 36 s
